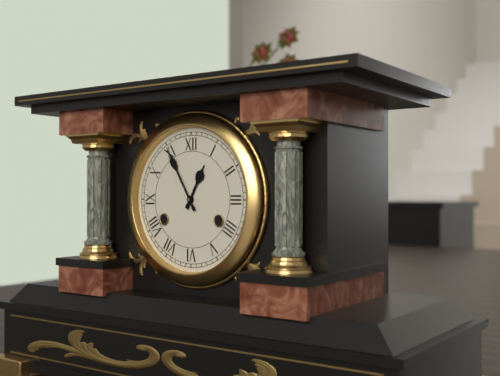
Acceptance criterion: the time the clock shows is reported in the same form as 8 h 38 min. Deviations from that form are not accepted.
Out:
12 h 55 min
